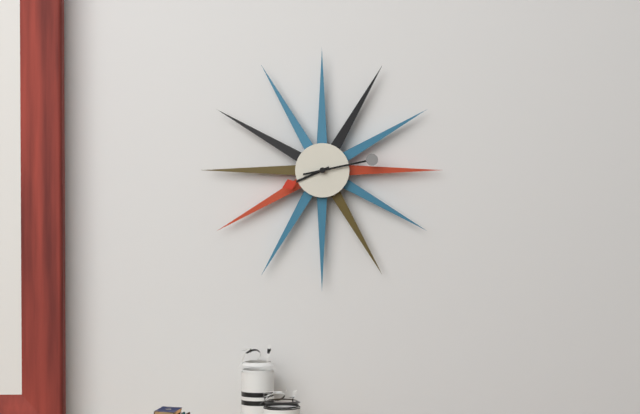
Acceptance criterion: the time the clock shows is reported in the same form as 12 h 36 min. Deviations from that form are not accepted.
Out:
8 h 13 min
